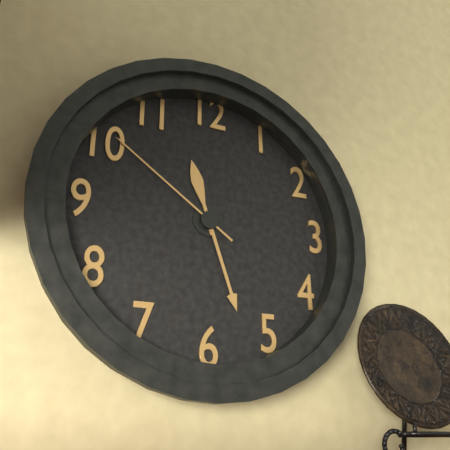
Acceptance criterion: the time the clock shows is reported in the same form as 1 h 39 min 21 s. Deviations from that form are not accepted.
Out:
11 h 27 min 51 s
